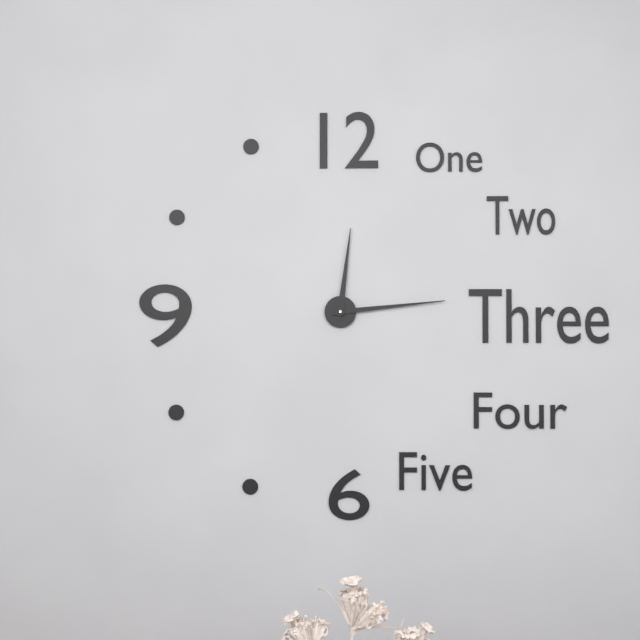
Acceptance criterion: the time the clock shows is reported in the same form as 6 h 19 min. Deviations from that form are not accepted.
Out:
12 h 14 min
